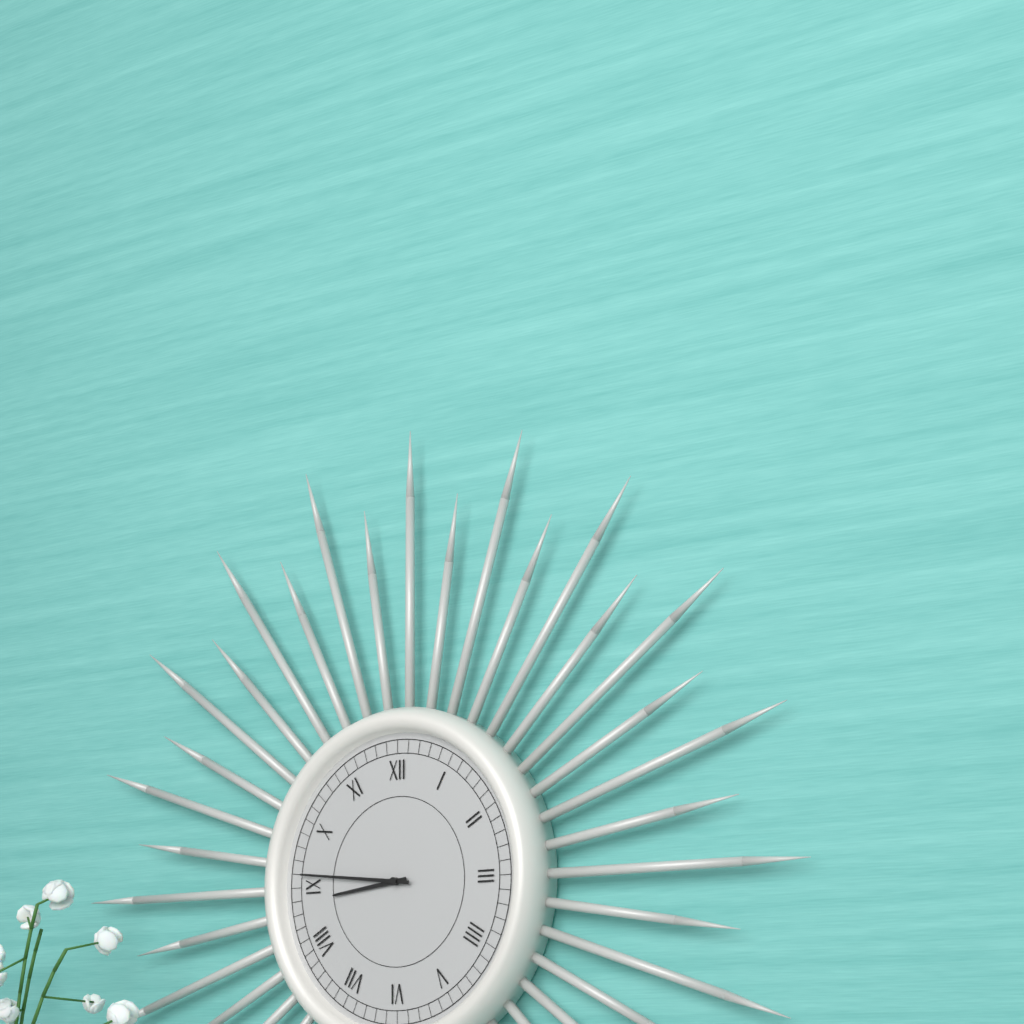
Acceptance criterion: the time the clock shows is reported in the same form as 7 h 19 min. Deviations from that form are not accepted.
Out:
8 h 46 min
